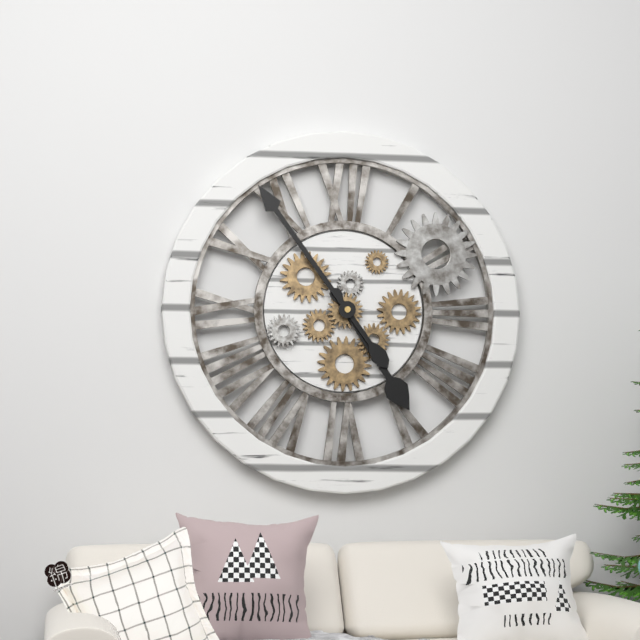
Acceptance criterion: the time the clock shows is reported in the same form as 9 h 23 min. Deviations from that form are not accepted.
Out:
4 h 54 min
